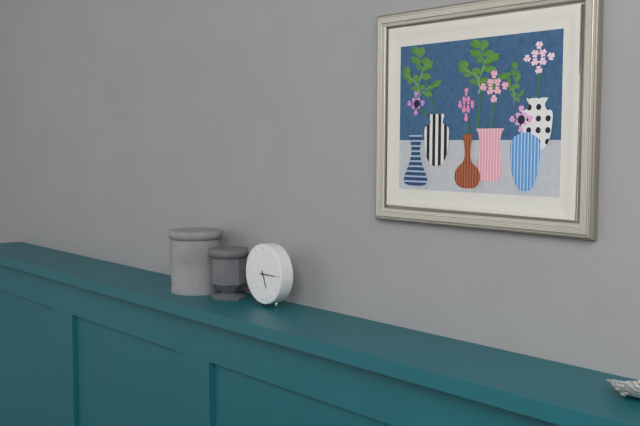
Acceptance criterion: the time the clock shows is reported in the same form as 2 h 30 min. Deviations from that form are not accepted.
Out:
5 h 15 min
